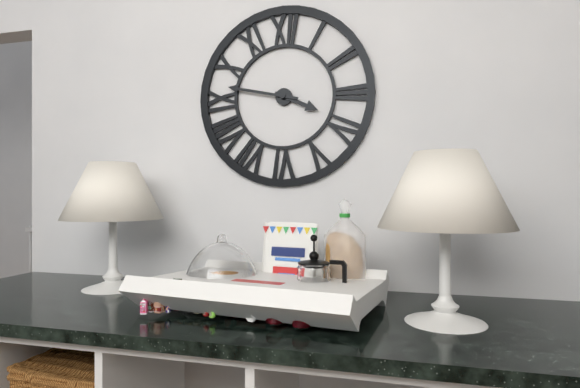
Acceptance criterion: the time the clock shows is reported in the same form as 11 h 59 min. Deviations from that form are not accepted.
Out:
3 h 47 min
